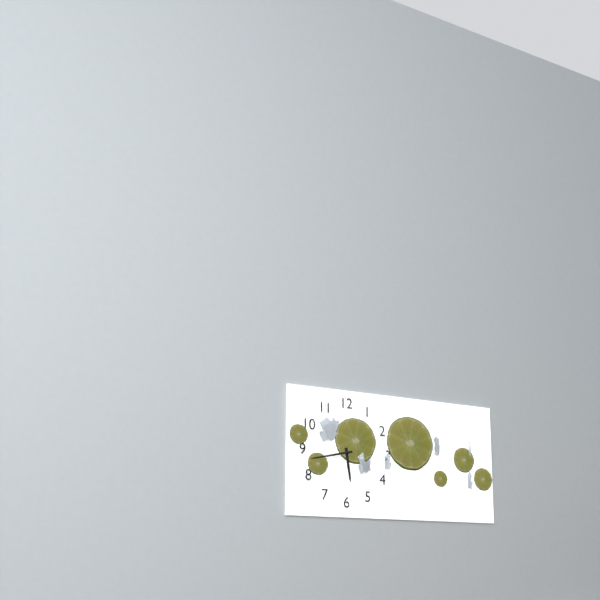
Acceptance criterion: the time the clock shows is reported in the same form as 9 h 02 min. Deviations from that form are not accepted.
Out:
5 h 43 min
